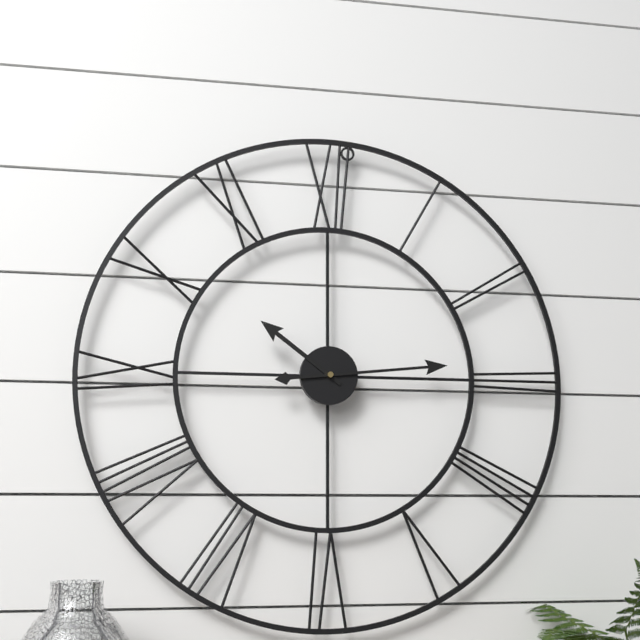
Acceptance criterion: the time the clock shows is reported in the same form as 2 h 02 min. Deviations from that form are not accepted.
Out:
10 h 14 min
